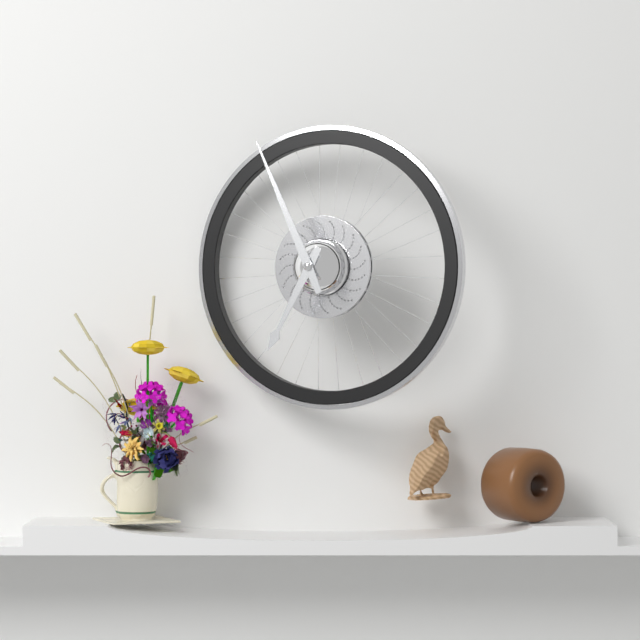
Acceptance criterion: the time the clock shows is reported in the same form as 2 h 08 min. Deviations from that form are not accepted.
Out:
6 h 56 min
